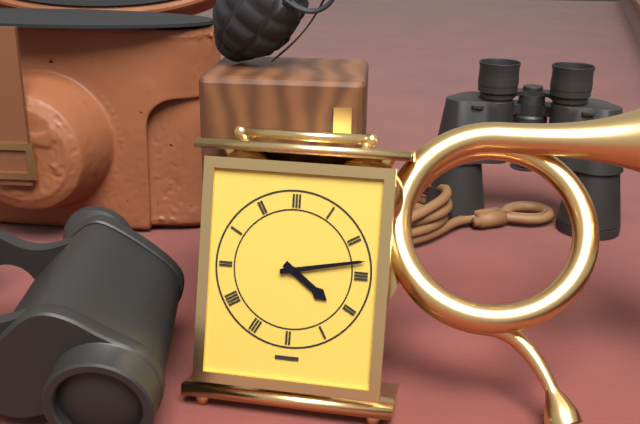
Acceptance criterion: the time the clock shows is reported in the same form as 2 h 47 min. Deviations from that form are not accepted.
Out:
4 h 13 min
